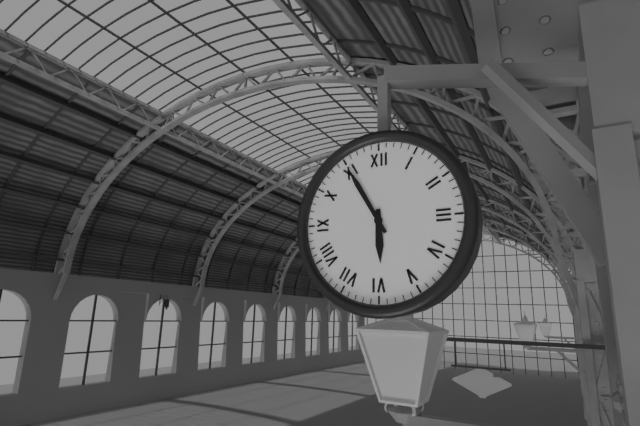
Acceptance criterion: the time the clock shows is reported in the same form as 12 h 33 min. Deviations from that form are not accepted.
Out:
5 h 55 min
